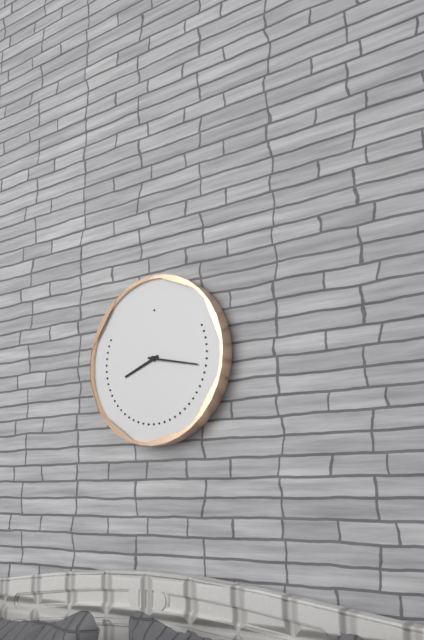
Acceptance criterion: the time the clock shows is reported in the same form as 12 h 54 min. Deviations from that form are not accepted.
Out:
8 h 17 min
